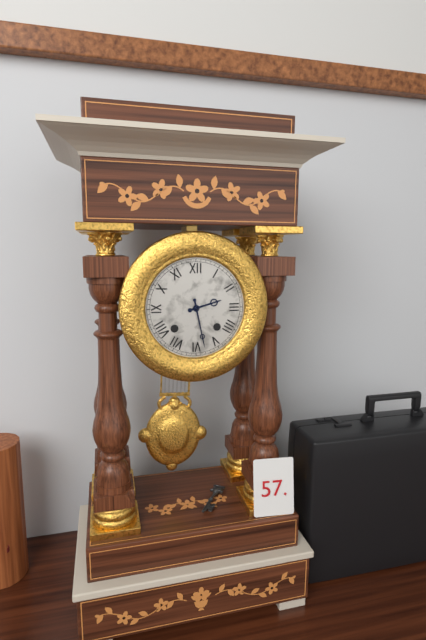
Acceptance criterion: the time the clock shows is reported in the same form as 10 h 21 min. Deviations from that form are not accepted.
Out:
2 h 28 min
